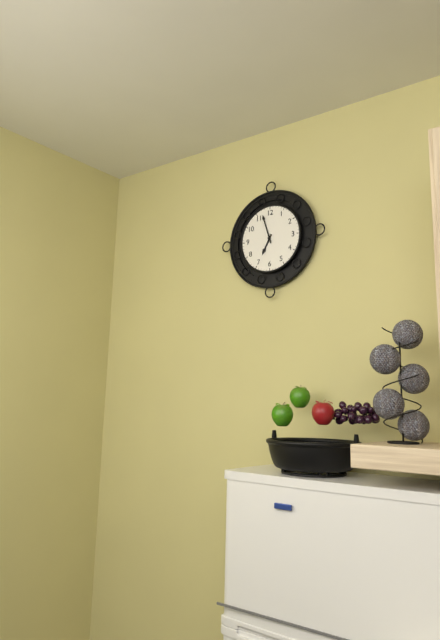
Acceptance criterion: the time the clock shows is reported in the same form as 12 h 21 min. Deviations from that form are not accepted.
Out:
6 h 57 min
